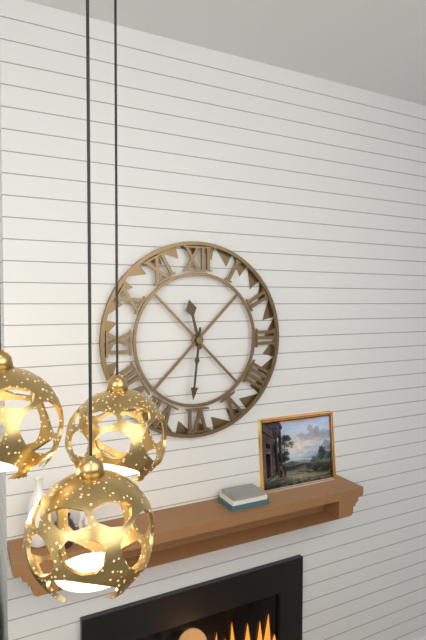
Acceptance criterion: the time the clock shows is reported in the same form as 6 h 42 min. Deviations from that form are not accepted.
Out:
11 h 31 min
